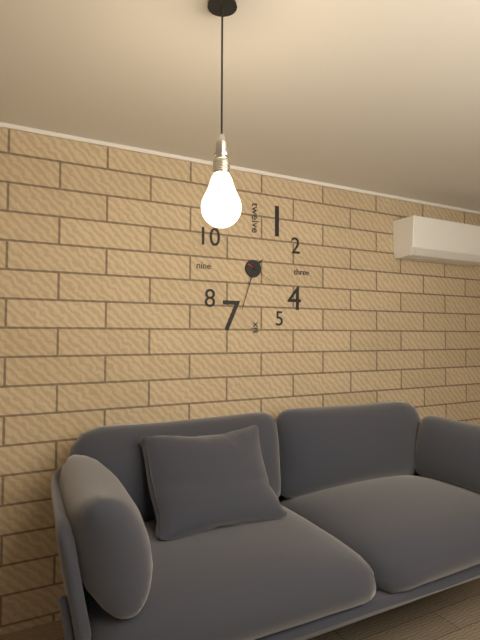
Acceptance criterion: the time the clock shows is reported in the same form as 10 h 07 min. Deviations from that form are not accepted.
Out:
1 h 33 min
